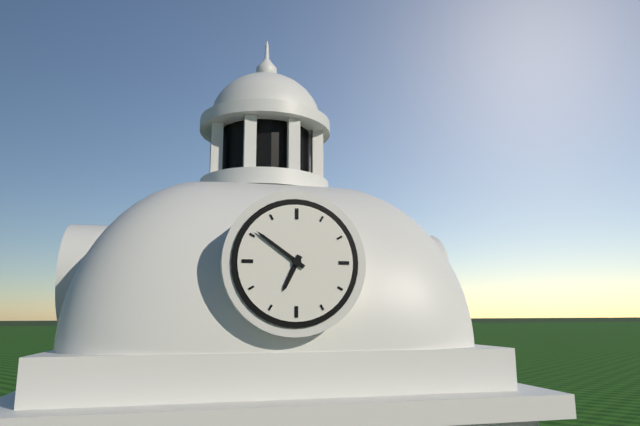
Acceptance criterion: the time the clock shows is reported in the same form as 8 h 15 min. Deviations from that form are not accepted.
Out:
6 h 51 min
